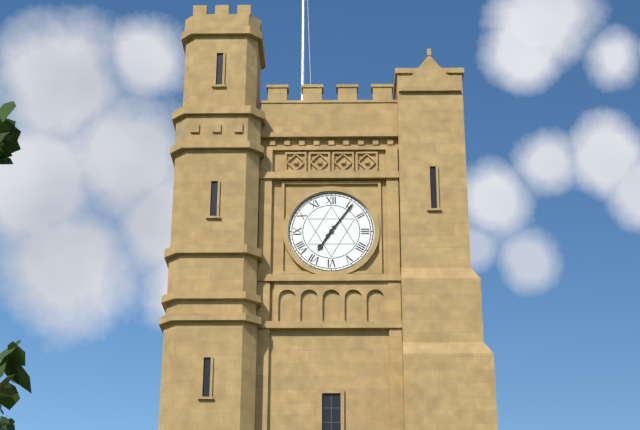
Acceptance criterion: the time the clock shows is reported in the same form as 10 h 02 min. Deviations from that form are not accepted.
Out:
7 h 06 min
